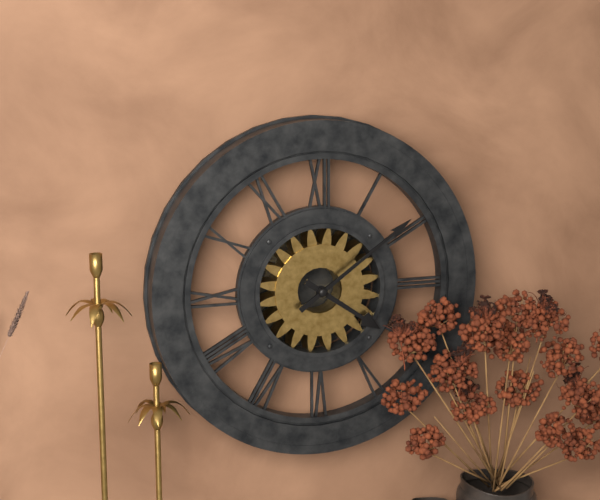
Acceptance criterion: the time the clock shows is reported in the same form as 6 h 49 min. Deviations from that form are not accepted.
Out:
4 h 09 min
